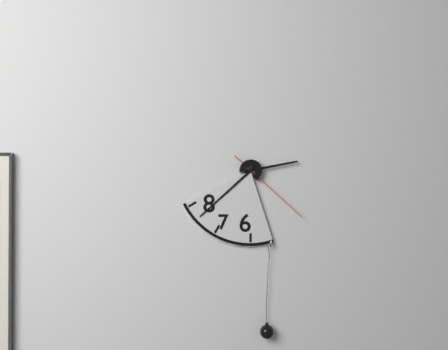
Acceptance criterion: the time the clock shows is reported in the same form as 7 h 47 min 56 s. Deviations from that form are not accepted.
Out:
2 h 38 min 22 s
